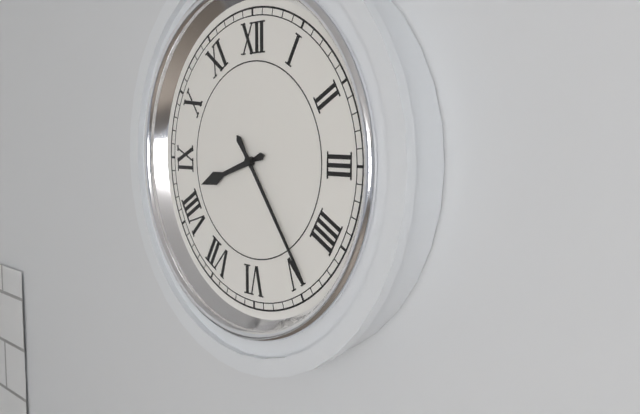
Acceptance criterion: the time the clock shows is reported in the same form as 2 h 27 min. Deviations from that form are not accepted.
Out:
8 h 24 min
